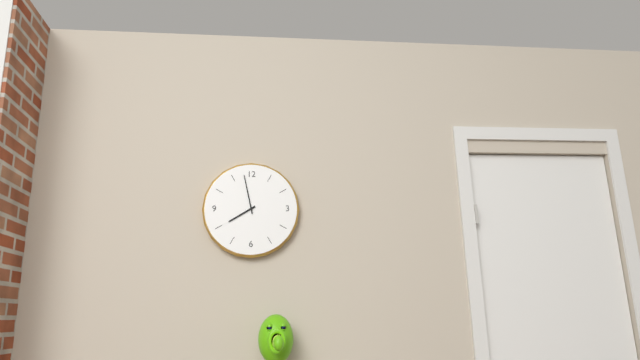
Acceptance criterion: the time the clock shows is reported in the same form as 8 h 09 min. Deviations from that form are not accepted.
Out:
7 h 58 min
